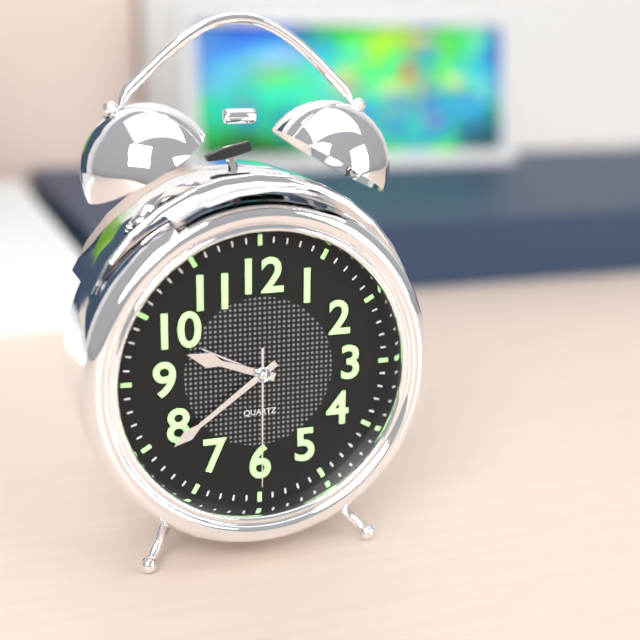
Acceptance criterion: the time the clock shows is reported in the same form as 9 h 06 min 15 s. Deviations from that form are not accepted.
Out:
9 h 39 min 30 s
